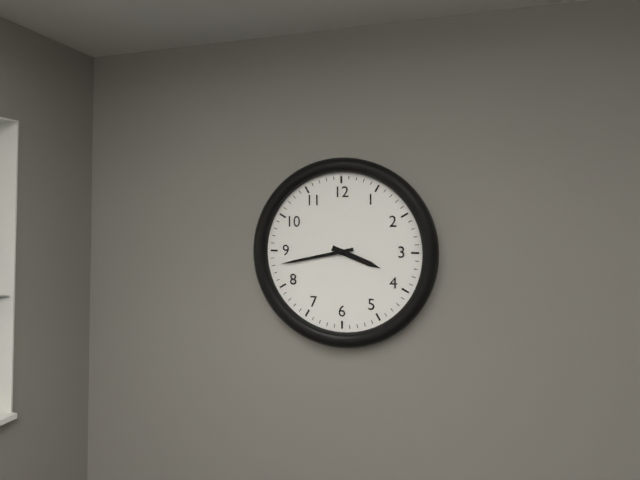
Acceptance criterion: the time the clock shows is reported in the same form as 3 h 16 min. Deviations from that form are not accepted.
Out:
3 h 43 min
